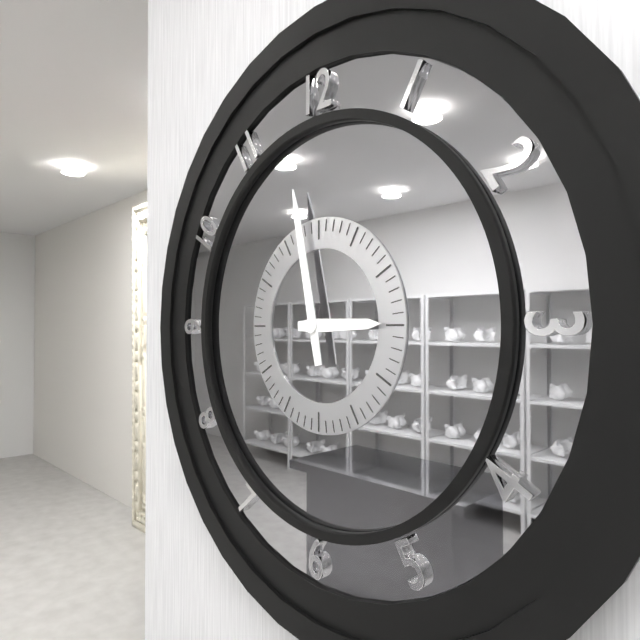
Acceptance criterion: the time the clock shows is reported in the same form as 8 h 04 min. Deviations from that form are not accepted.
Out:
2 h 58 min
